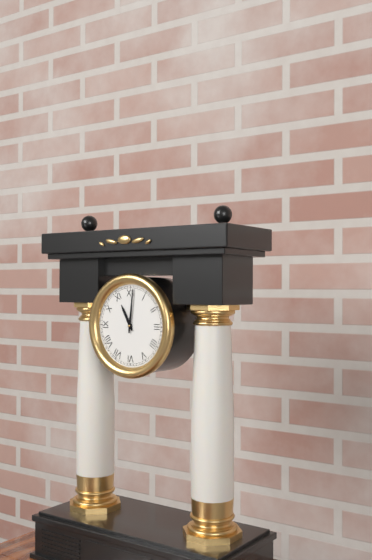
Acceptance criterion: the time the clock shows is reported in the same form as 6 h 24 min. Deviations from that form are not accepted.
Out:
11 h 01 min
